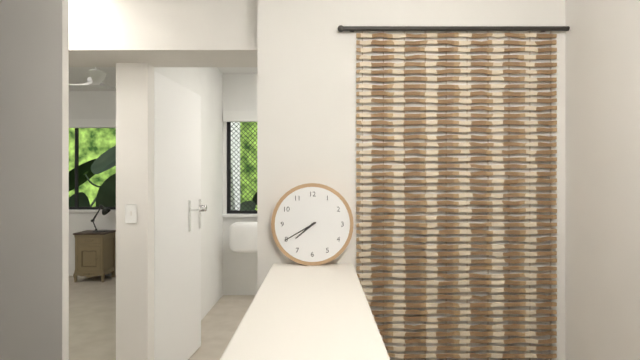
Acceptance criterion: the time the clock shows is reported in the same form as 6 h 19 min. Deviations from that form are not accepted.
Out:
7 h 40 min
